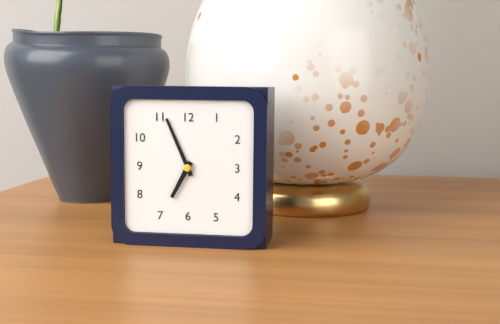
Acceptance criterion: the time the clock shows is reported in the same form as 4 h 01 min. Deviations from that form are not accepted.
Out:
6 h 56 min
